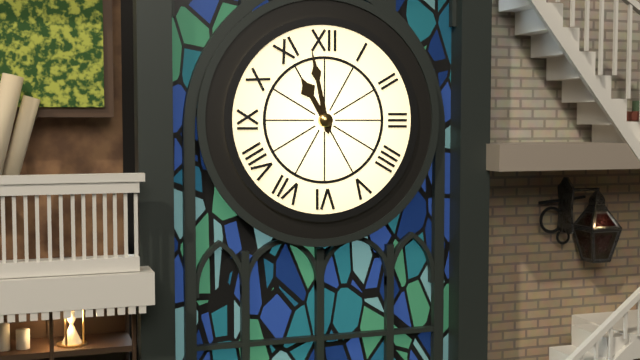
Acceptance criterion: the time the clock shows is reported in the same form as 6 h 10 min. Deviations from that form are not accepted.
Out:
10 h 58 min
